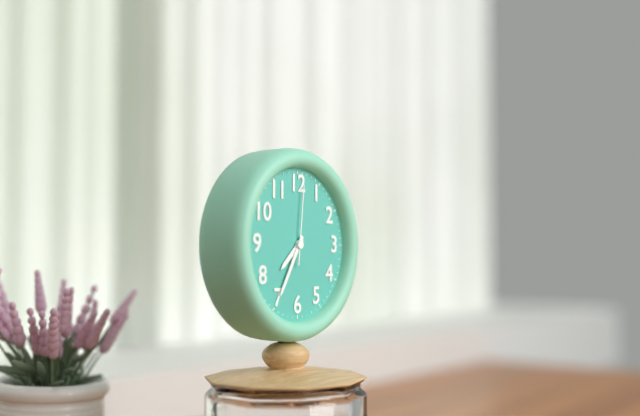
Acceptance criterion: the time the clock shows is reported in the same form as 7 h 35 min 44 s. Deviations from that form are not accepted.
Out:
7 h 35 min 01 s
